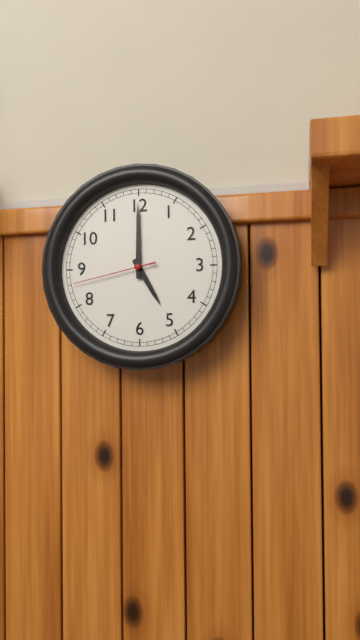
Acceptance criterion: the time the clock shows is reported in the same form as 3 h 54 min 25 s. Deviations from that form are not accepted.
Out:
5 h 00 min 43 s
